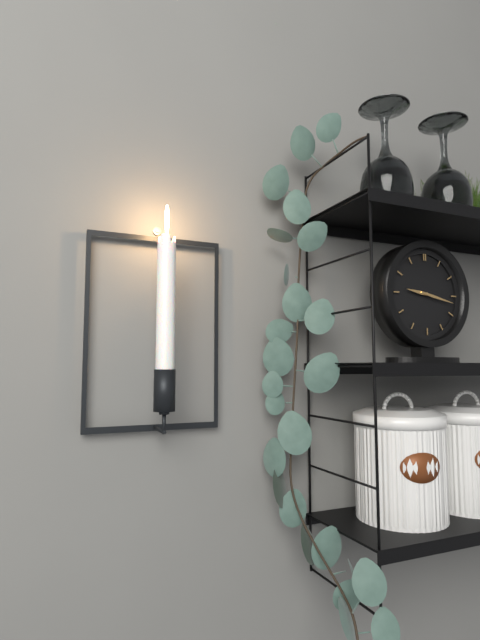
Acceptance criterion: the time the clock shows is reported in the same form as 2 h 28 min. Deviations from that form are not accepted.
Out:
9 h 17 min
